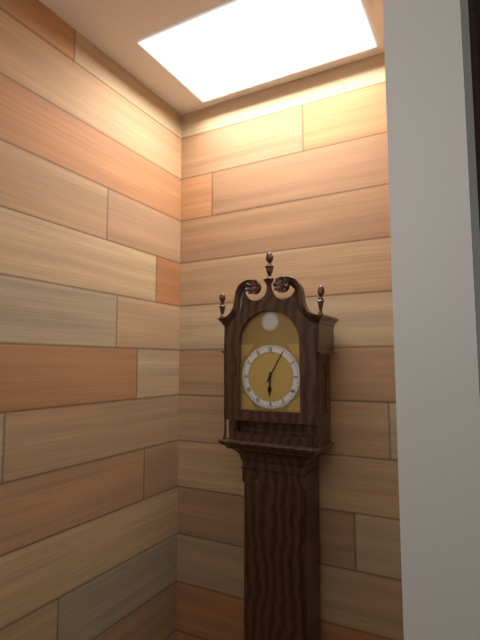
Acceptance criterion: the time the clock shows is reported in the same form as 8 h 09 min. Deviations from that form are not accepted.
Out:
6 h 05 min
